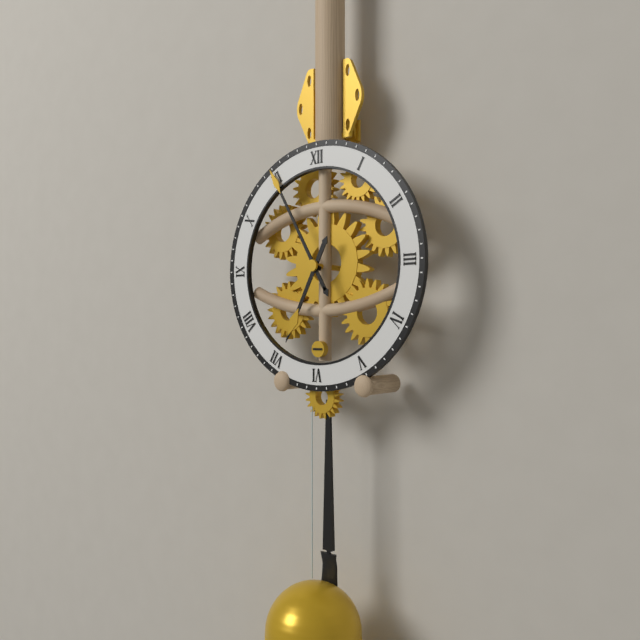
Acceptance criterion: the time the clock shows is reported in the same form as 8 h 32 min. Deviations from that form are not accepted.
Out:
6 h 55 min
